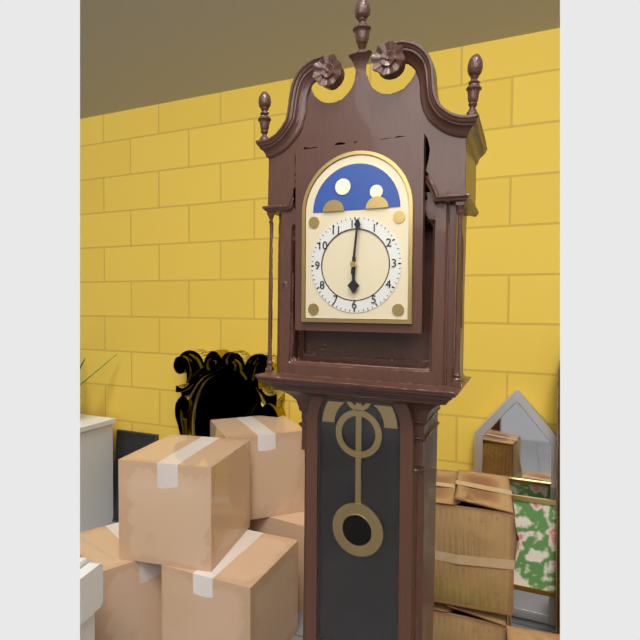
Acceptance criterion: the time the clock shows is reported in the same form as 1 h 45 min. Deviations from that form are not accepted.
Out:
6 h 01 min
